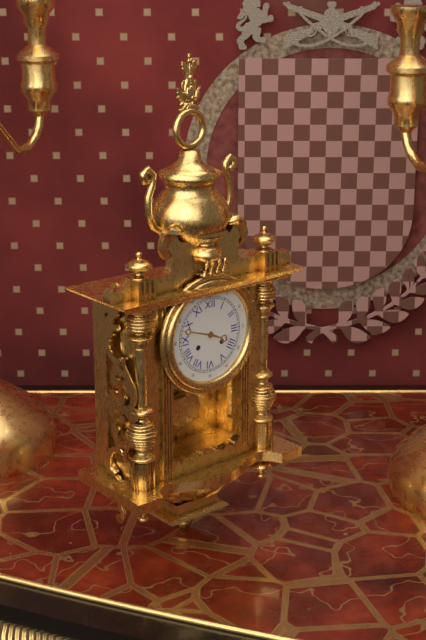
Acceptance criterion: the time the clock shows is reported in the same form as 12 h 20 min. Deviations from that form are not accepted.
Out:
3 h 48 min
